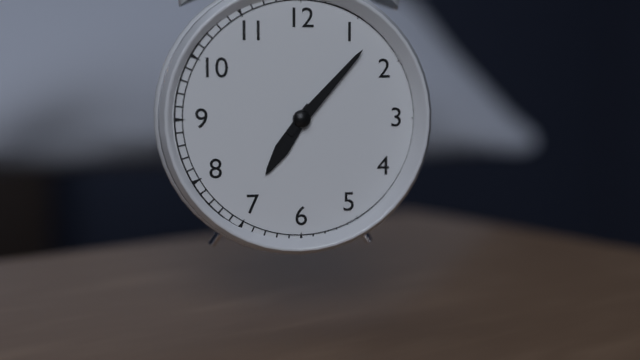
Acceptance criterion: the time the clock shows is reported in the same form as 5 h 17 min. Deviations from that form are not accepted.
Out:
7 h 07 min
